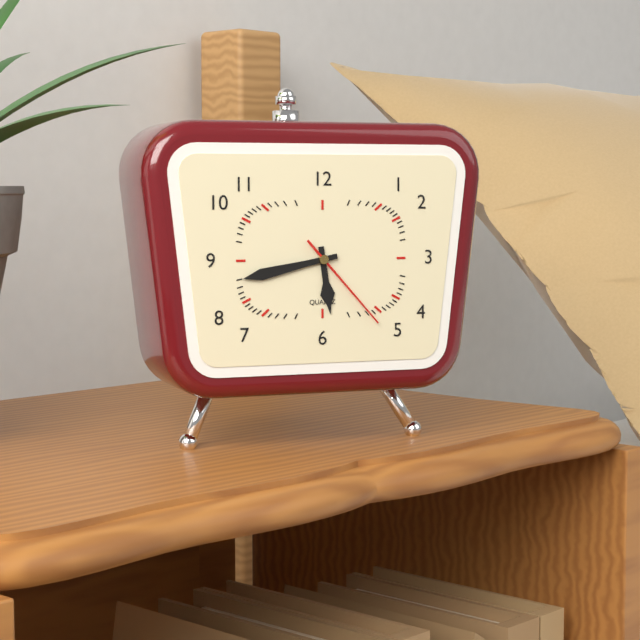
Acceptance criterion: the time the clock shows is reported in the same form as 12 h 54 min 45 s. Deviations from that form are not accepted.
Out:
5 h 43 min 23 s
